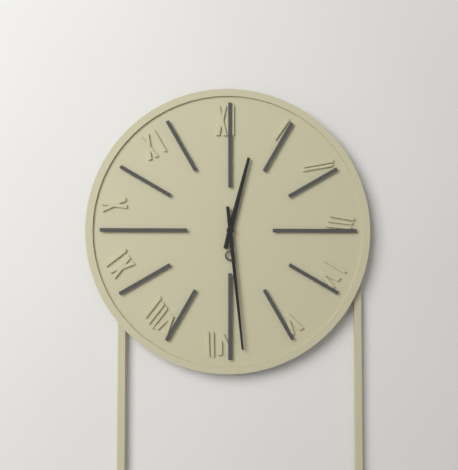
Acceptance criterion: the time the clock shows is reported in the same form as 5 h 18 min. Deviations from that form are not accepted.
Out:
12 h 29 min
